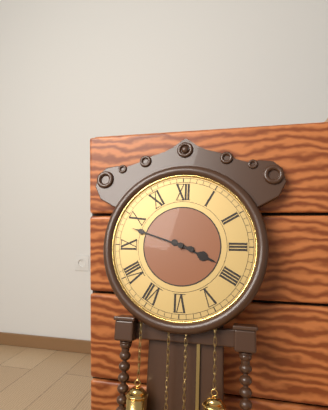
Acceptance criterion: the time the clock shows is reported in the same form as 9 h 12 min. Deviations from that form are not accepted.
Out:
3 h 48 min
